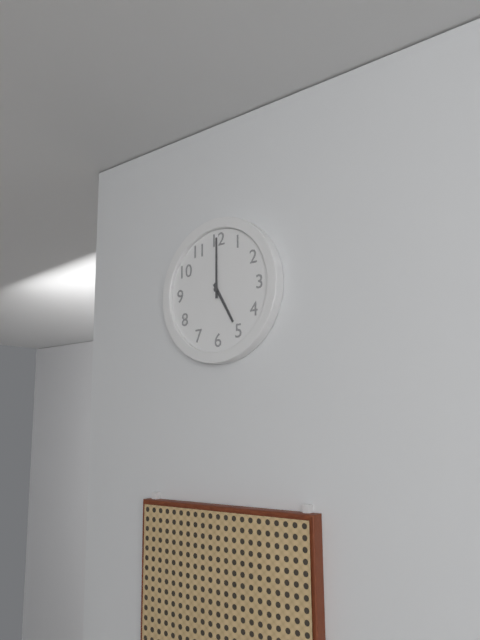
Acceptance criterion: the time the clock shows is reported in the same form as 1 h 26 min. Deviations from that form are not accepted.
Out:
5 h 00 min
